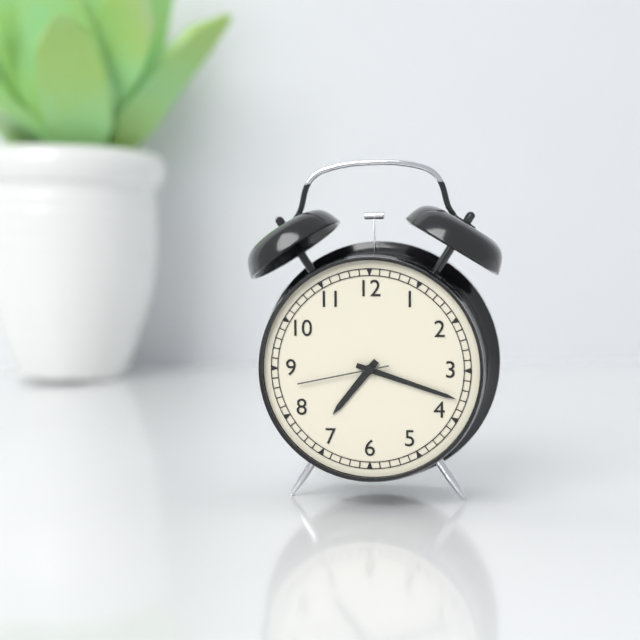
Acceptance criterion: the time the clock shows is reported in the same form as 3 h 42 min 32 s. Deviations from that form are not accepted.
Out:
7 h 18 min 43 s
